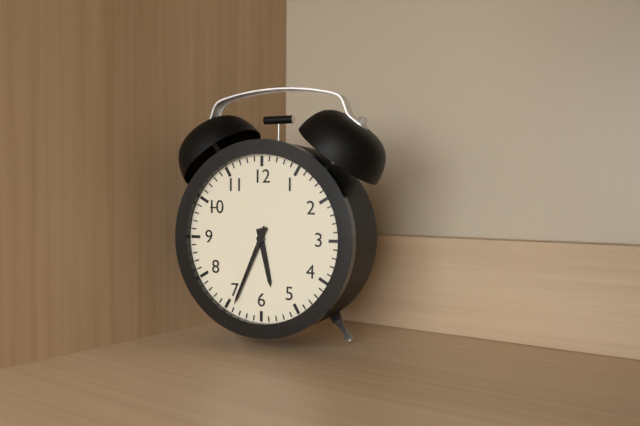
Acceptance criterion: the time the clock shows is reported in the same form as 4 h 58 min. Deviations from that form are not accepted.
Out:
5 h 34 min
